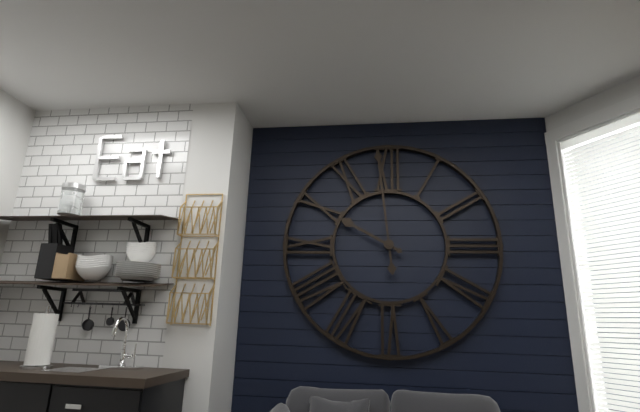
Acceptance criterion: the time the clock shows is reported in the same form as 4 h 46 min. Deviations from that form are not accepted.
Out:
9 h 59 min
